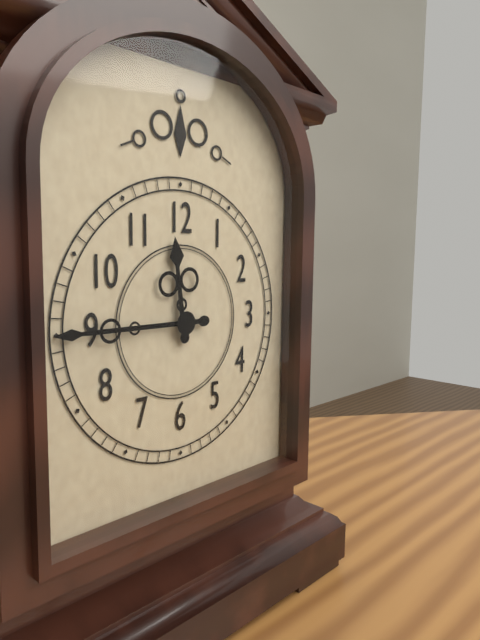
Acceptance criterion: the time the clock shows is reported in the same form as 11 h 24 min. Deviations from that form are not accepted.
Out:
11 h 45 min
